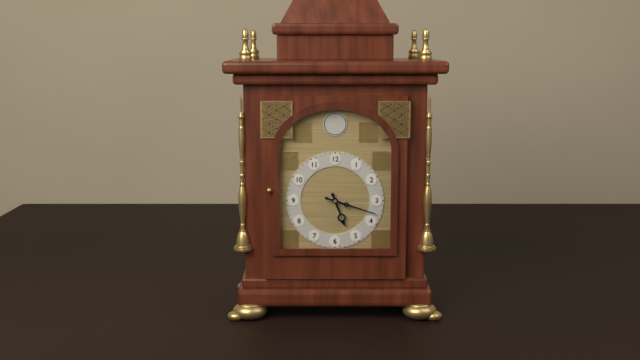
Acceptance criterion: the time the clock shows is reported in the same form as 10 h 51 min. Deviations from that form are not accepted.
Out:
5 h 18 min
